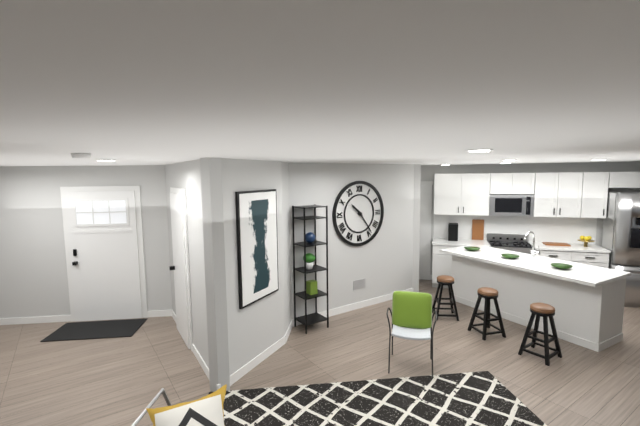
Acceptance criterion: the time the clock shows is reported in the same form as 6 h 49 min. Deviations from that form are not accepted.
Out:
10 h 24 min
